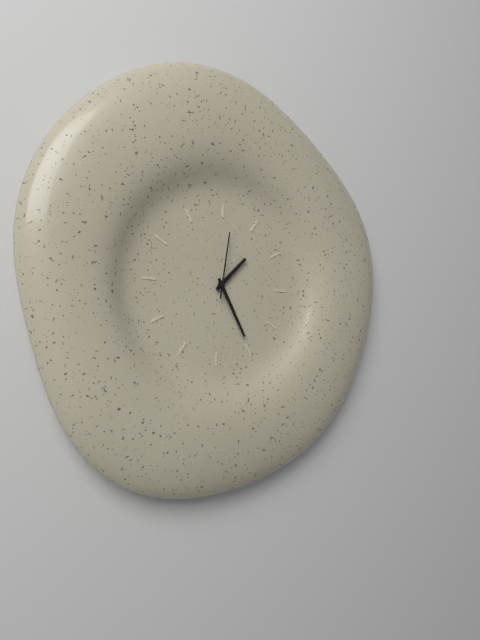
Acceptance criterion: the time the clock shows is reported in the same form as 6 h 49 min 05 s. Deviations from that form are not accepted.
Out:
1 h 25 min 01 s
